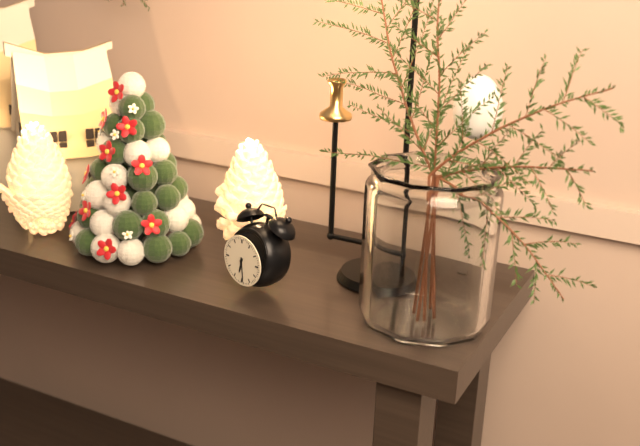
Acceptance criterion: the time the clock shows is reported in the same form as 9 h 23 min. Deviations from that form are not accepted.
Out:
6 h 29 min
